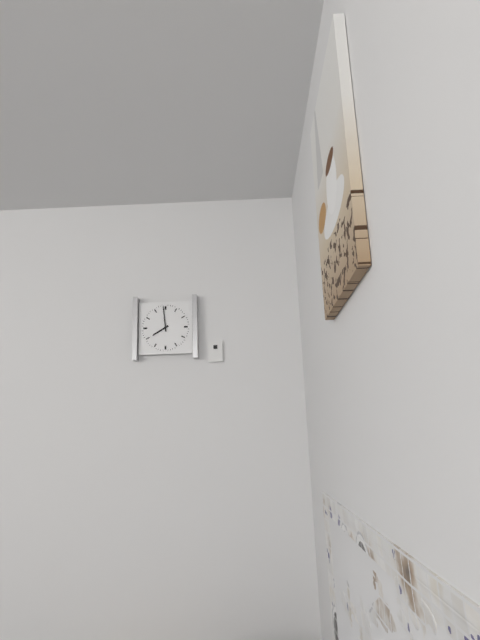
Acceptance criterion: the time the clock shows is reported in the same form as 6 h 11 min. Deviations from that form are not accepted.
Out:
7 h 59 min
